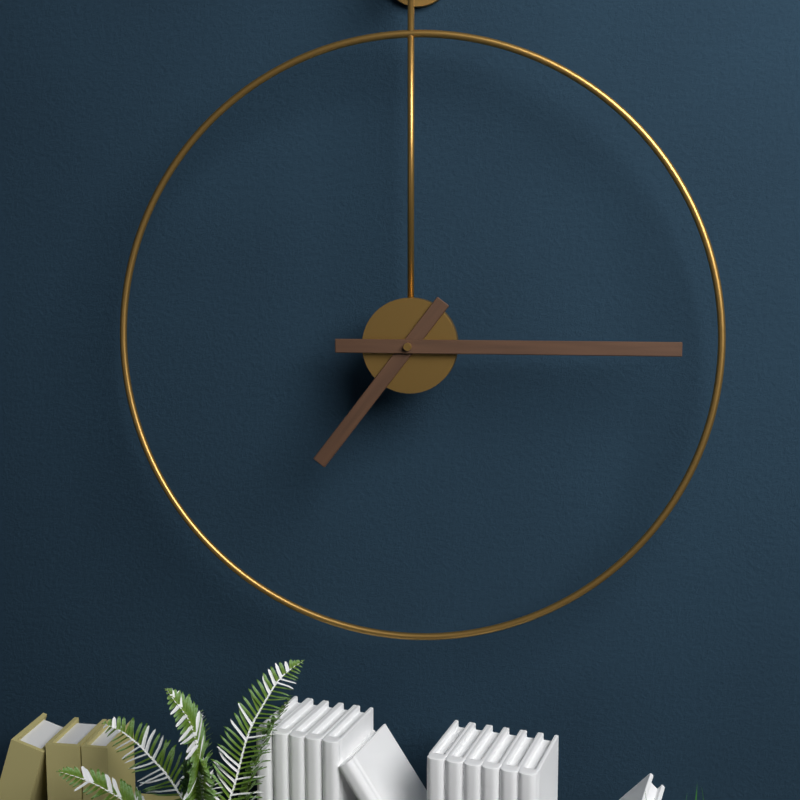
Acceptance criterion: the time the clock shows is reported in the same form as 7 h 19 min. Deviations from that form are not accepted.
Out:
7 h 15 min
